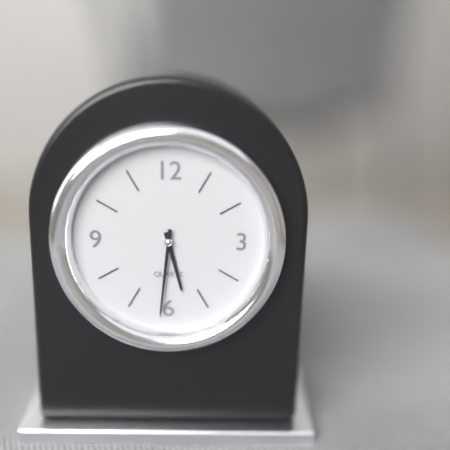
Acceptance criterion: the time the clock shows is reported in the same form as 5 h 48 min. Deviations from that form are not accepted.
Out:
5 h 31 min
